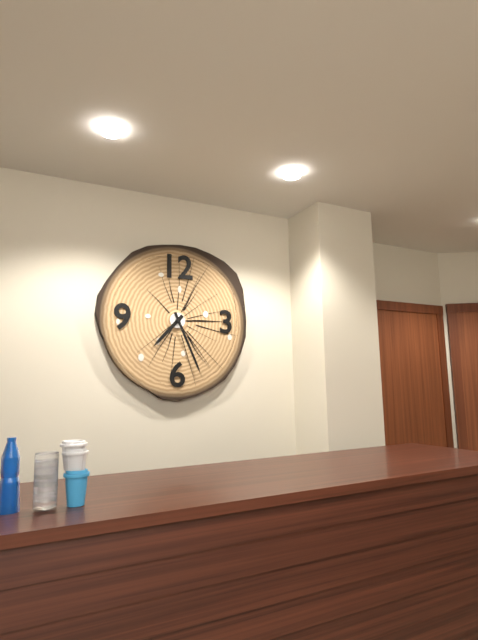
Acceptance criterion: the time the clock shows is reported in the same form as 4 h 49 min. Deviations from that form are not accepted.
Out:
7 h 26 min
